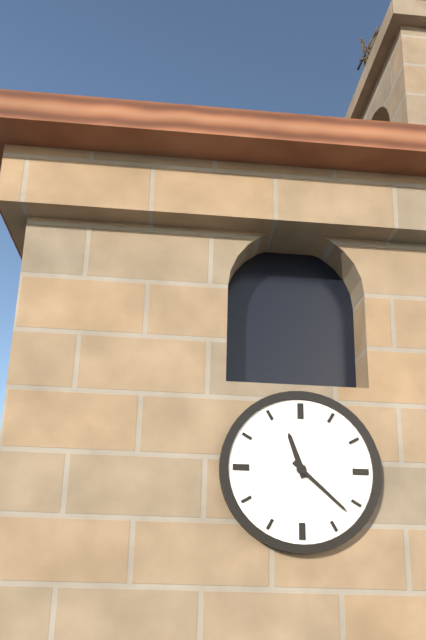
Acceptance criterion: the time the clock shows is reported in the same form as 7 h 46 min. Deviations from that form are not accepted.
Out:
11 h 22 min
